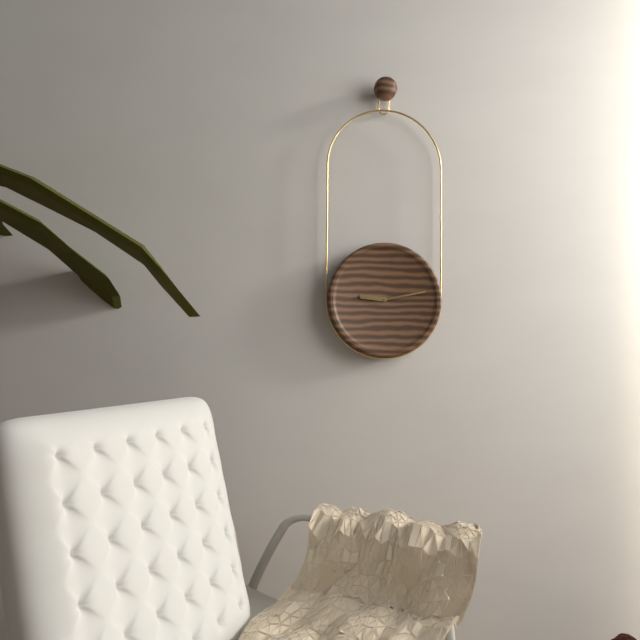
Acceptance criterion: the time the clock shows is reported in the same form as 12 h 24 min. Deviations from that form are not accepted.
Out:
9 h 13 min
